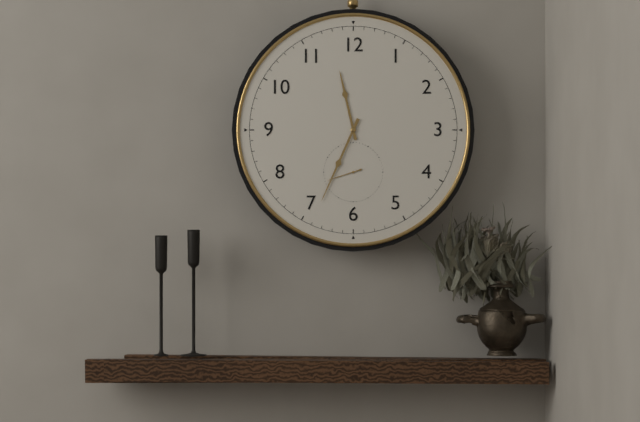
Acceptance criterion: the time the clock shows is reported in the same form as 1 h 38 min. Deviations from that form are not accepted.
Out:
11 h 34 min
